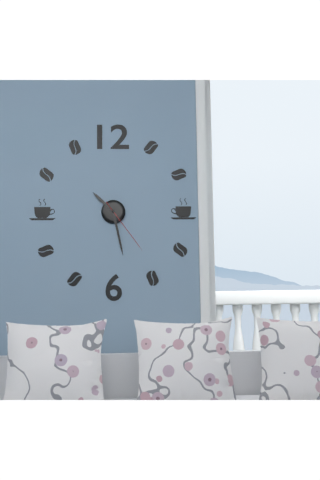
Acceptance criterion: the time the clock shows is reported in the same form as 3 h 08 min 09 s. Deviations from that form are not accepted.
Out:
10 h 28 min 24 s
